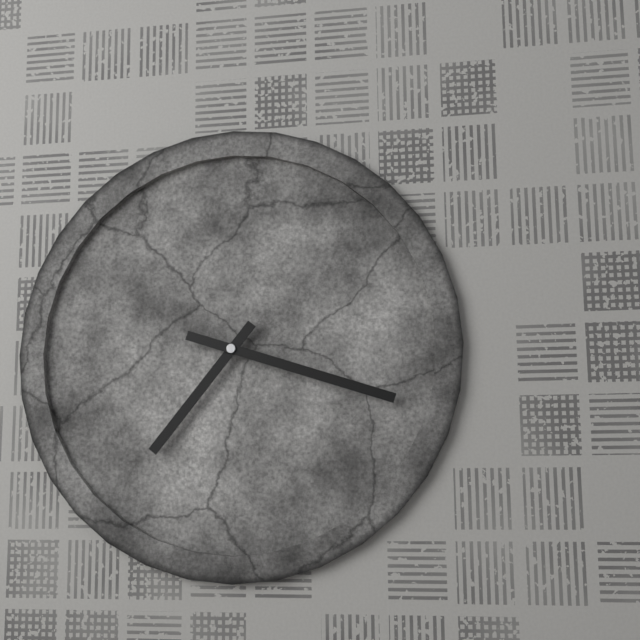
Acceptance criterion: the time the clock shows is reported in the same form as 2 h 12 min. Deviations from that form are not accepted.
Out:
7 h 18 min
